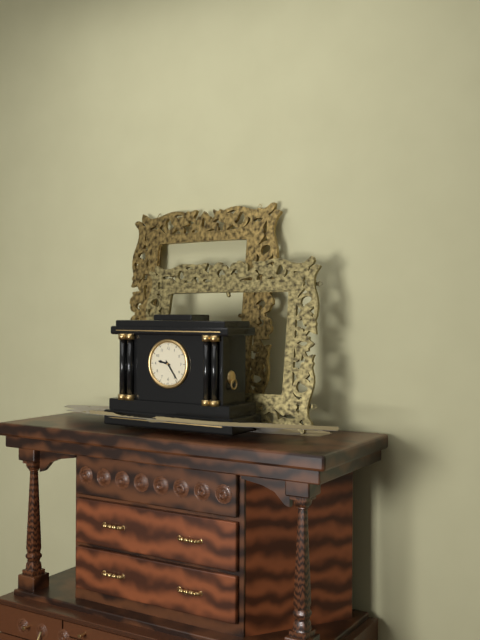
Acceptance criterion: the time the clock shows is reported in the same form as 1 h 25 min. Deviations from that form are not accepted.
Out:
9 h 24 min
